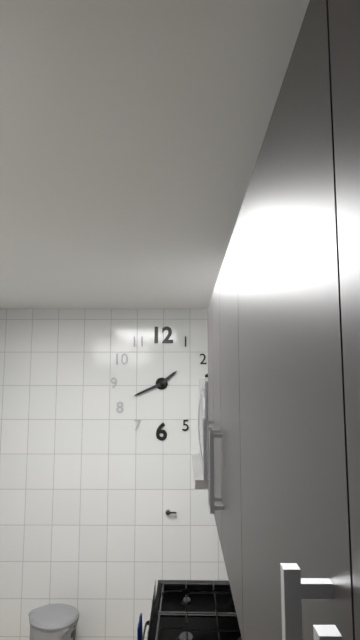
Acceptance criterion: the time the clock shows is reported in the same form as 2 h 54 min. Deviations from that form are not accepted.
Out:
1 h 41 min
